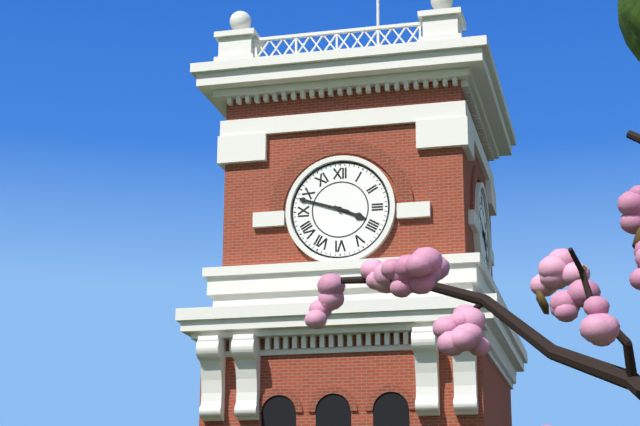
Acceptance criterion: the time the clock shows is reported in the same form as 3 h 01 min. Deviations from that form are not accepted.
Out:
3 h 48 min
